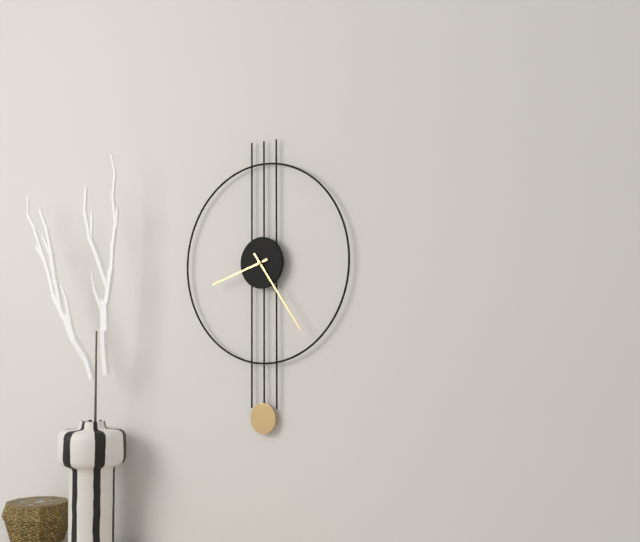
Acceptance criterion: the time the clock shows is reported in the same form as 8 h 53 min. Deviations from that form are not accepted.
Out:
8 h 24 min
